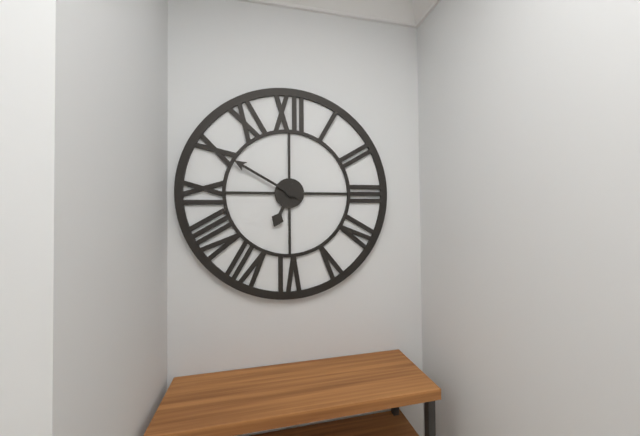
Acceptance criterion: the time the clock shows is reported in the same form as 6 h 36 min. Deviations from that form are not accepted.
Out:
6 h 50 min
